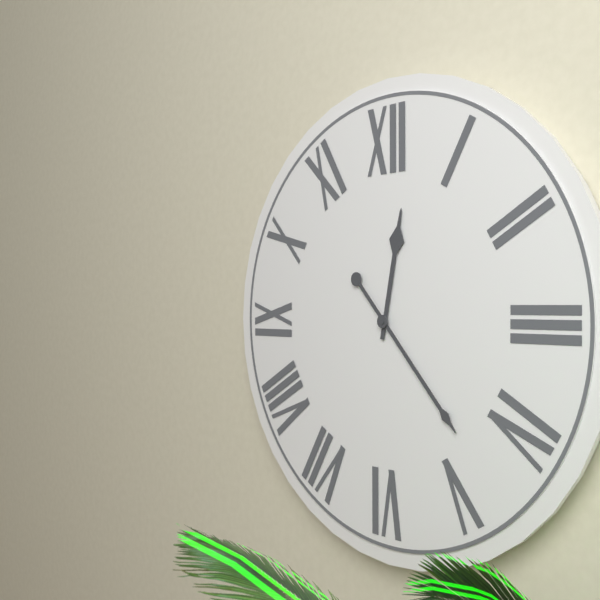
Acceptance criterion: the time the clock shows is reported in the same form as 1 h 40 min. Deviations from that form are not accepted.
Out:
12 h 23 min
